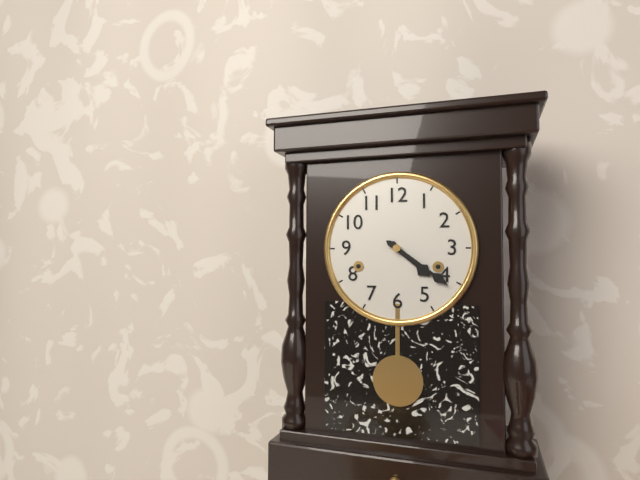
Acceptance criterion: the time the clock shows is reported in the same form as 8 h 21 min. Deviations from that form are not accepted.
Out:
4 h 21 min
